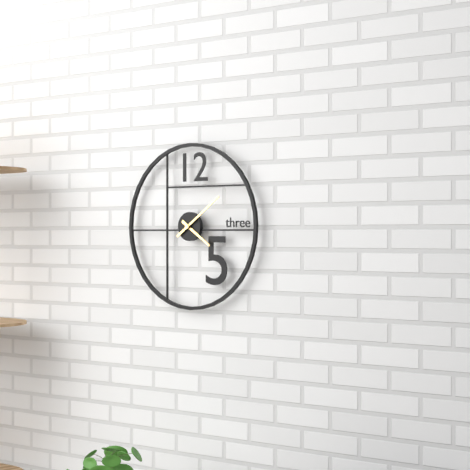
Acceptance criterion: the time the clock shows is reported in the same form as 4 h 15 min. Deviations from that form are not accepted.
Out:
4 h 09 min
